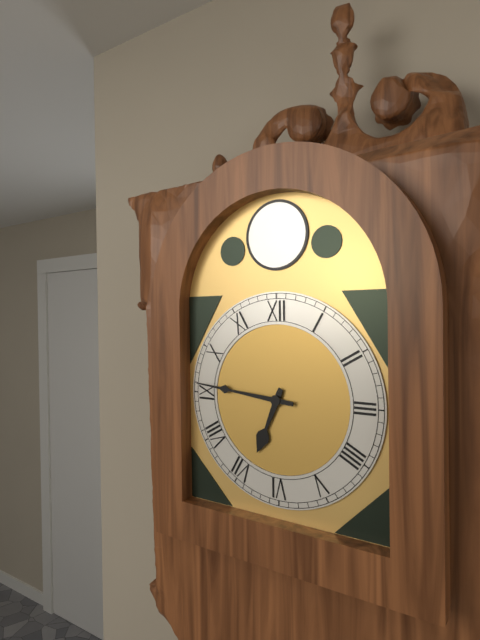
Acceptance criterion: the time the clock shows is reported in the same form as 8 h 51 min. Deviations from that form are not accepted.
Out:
6 h 46 min
